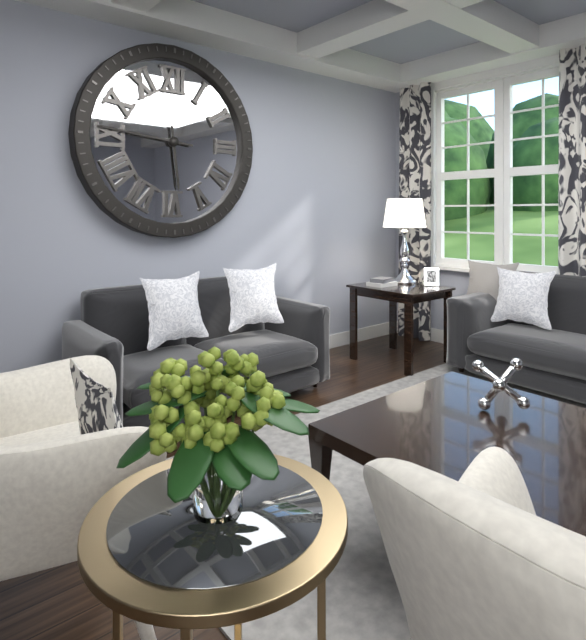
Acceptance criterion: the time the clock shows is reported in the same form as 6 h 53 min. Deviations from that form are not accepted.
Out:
5 h 46 min
